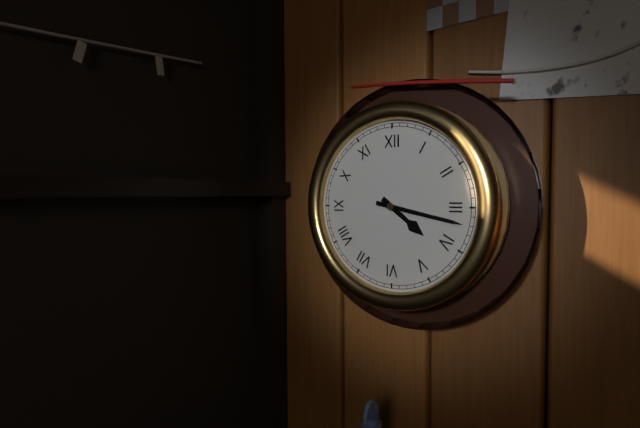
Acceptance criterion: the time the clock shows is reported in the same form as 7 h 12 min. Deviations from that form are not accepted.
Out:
4 h 17 min
